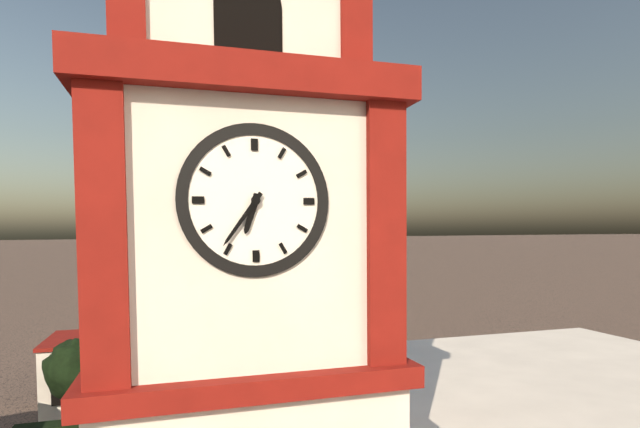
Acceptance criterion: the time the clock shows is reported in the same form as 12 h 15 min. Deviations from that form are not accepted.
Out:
6 h 36 min
